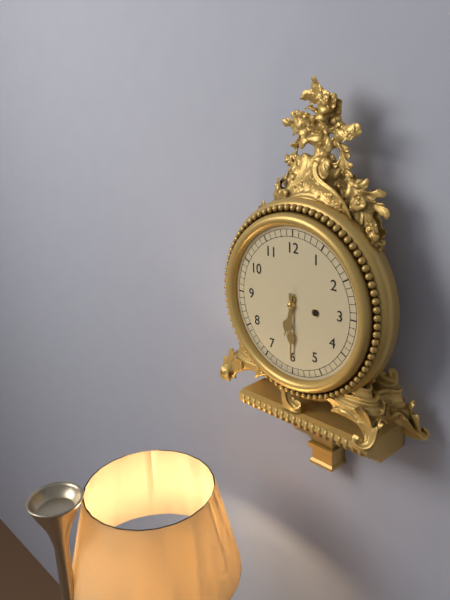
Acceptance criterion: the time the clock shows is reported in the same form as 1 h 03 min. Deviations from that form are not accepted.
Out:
6 h 30 min
